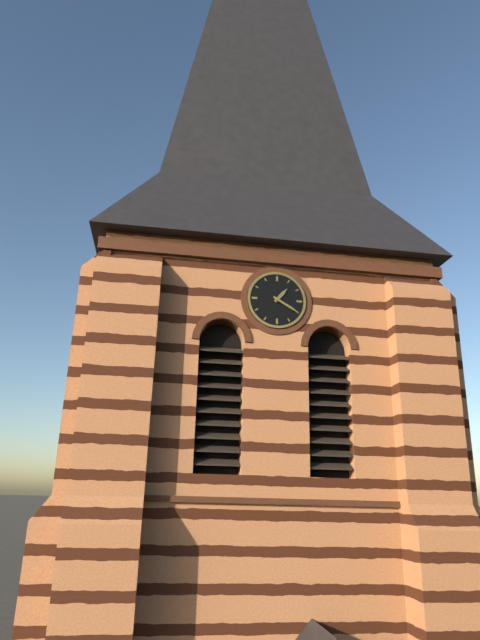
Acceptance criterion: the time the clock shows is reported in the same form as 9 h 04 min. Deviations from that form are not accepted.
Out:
1 h 20 min
